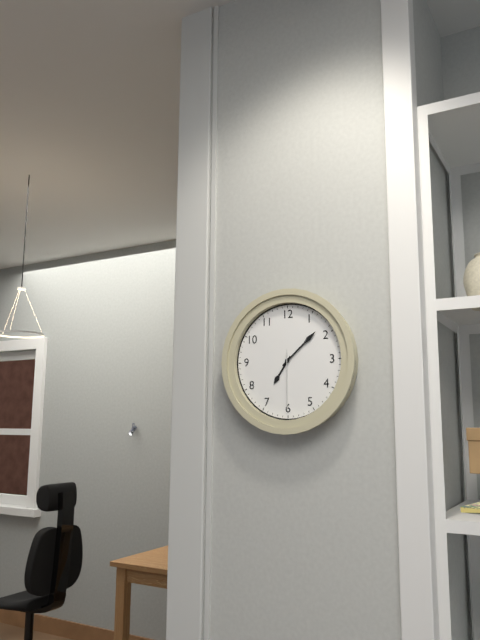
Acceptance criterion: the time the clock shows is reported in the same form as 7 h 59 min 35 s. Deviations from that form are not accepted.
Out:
7 h 08 min 30 s
